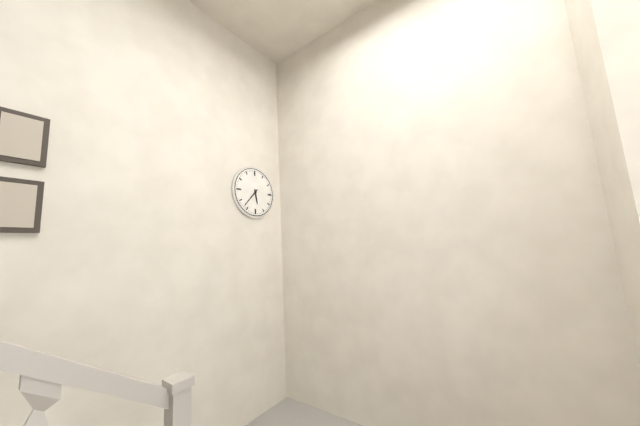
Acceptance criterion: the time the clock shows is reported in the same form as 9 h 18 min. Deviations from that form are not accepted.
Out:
5 h 37 min
